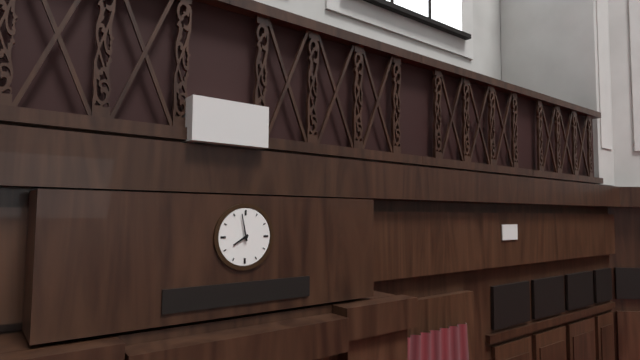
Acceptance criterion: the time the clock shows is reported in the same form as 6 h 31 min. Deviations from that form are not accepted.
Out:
7 h 58 min
